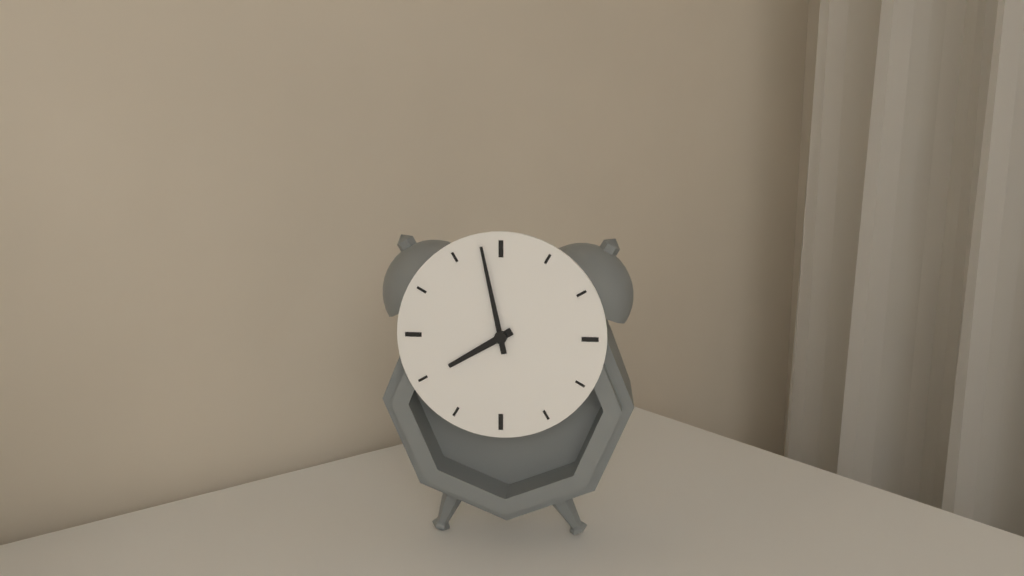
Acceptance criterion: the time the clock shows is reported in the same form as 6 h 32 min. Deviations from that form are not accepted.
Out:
7 h 58 min
